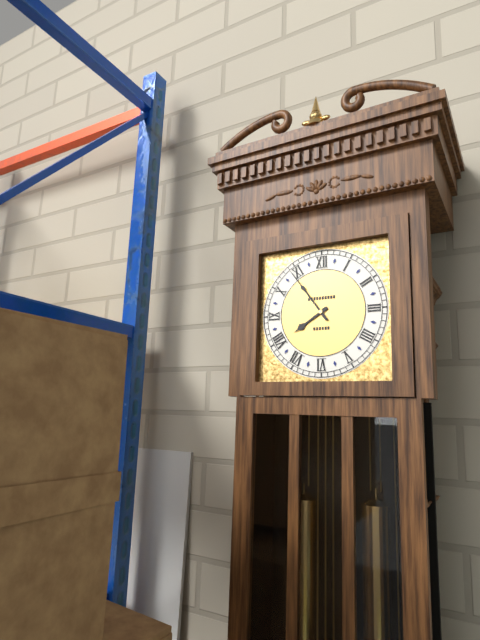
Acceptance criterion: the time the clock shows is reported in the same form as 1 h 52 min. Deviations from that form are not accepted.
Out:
7 h 54 min
